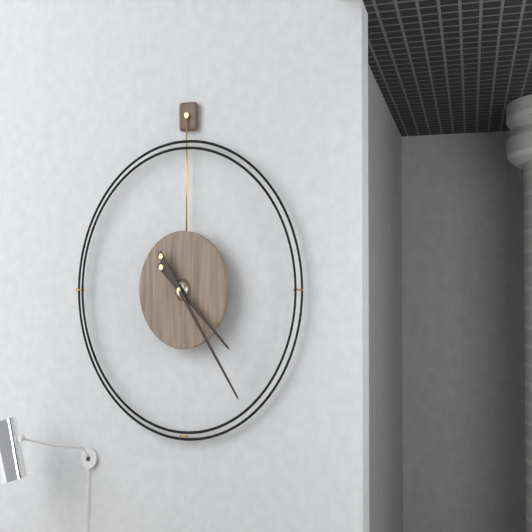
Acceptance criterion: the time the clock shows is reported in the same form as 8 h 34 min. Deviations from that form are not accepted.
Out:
4 h 24 min
